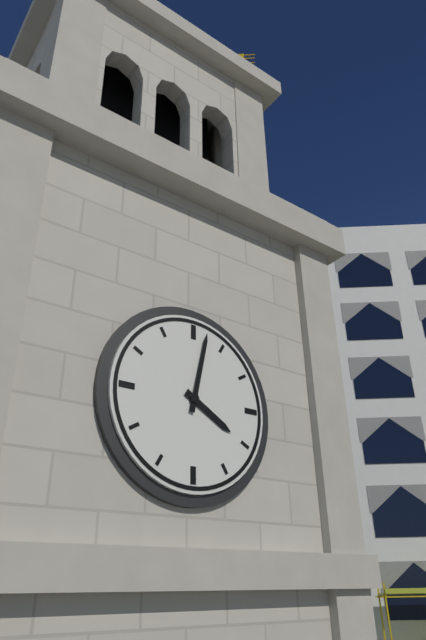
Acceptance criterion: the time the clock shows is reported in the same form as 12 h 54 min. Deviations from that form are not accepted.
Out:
4 h 02 min
